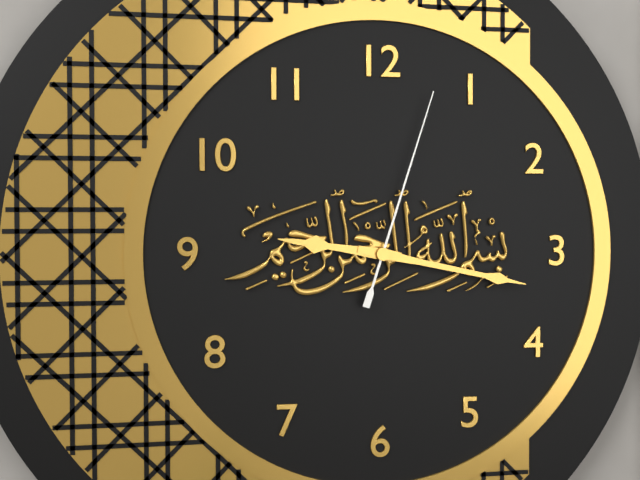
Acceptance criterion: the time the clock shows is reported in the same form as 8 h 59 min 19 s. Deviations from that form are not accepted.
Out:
9 h 17 min 03 s
